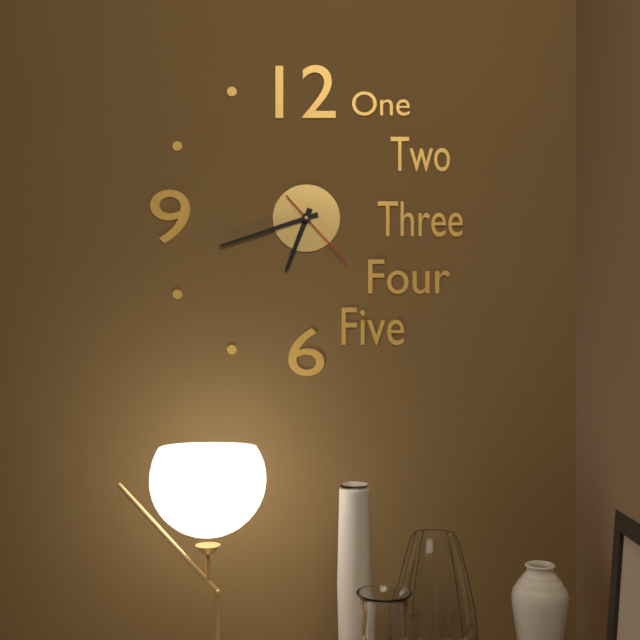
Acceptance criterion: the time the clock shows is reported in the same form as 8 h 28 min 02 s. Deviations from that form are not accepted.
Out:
6 h 42 min 23 s
